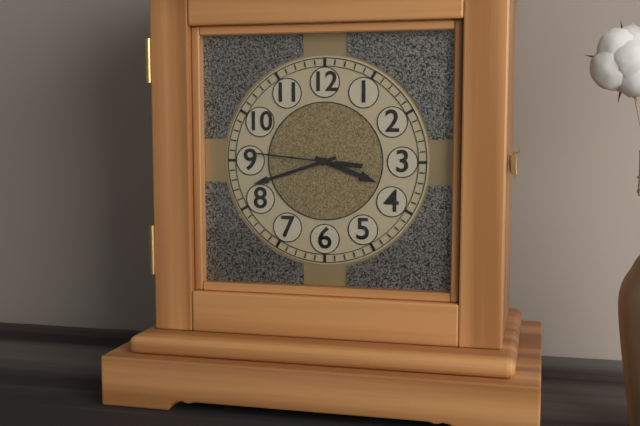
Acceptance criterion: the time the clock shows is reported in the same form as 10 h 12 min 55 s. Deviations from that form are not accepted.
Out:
3 h 42 min 46 s
